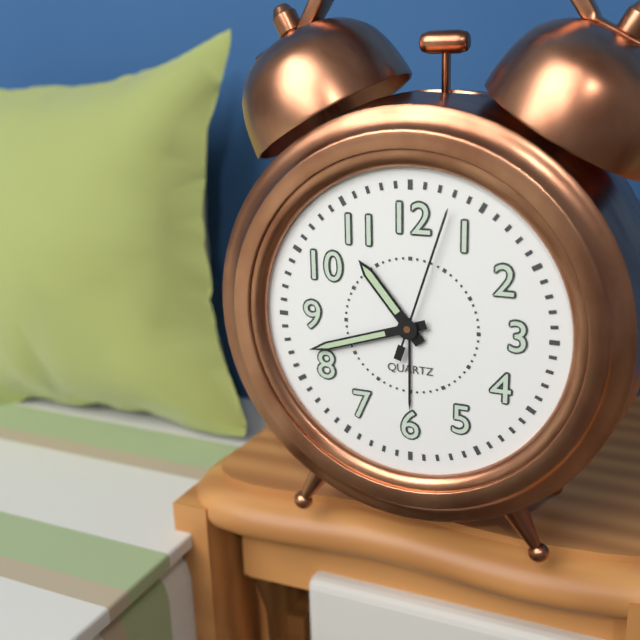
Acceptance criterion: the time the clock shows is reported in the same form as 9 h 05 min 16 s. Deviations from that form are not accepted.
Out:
10 h 42 min 03 s
